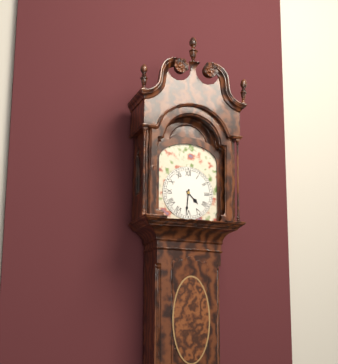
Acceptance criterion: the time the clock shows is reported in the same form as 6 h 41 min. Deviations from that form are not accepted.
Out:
4 h 31 min
